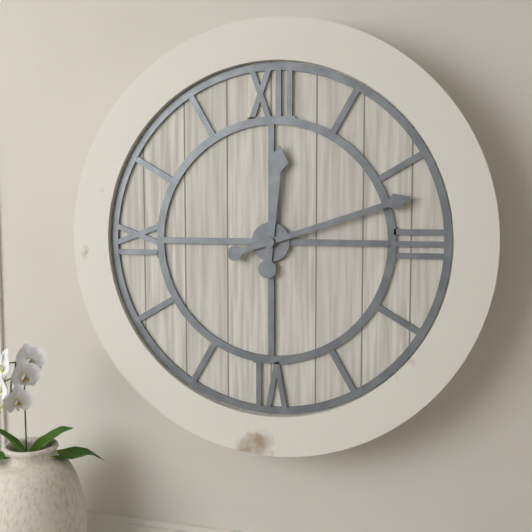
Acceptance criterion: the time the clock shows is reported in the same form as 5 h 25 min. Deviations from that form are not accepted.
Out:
12 h 12 min
